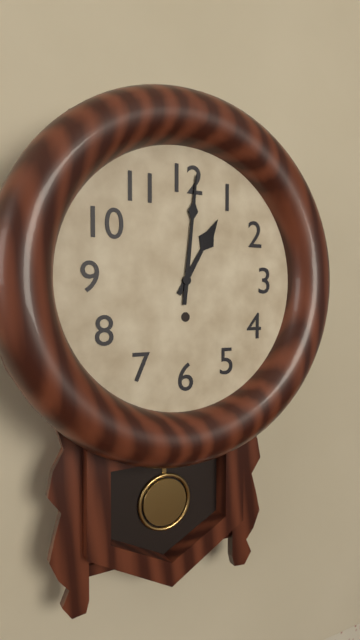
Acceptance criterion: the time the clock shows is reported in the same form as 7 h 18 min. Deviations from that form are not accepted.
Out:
1 h 01 min
